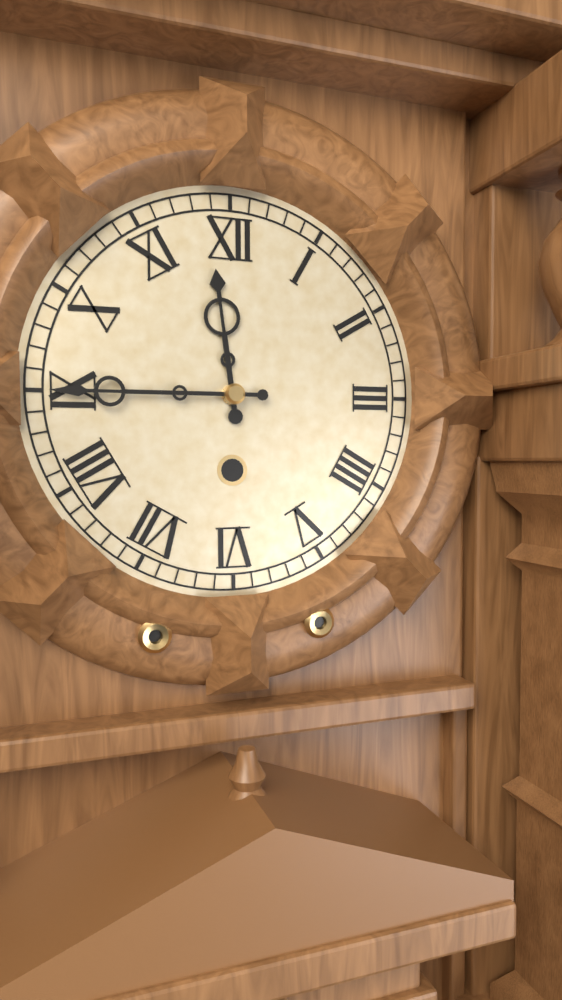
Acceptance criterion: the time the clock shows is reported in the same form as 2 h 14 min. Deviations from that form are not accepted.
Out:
11 h 45 min
